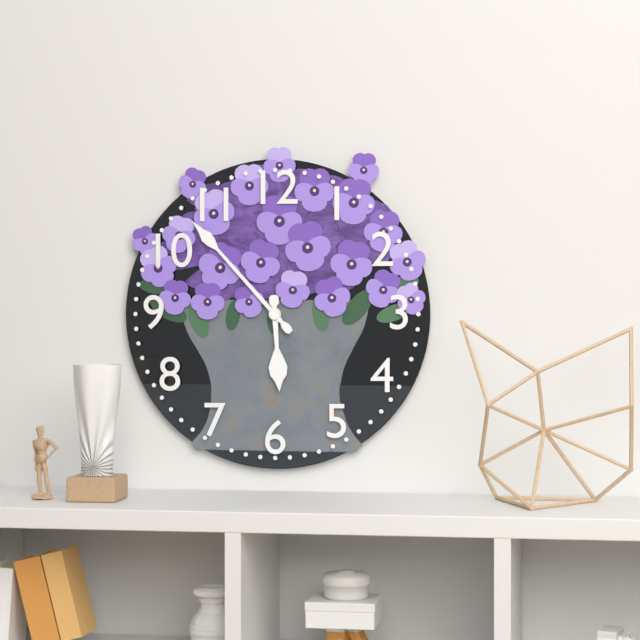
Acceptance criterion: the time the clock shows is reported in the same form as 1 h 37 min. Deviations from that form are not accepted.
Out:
5 h 53 min
